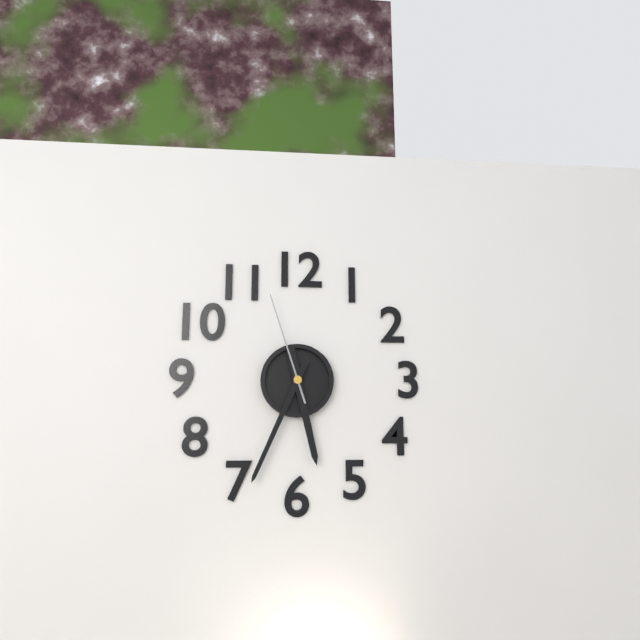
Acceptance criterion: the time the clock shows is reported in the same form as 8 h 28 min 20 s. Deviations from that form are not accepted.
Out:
5 h 34 min 57 s
